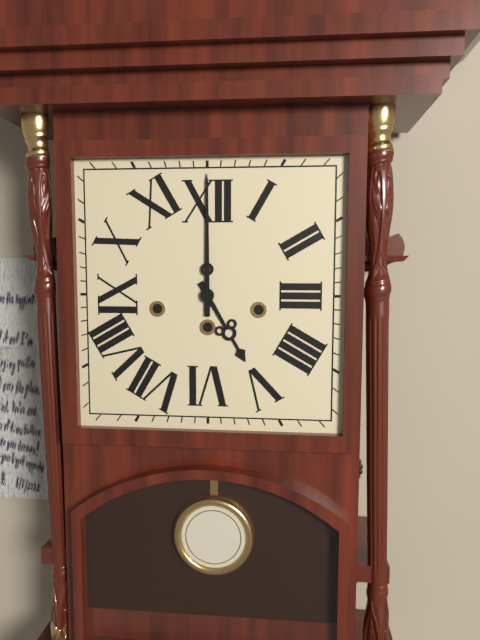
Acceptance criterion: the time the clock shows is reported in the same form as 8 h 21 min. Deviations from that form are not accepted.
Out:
5 h 00 min
